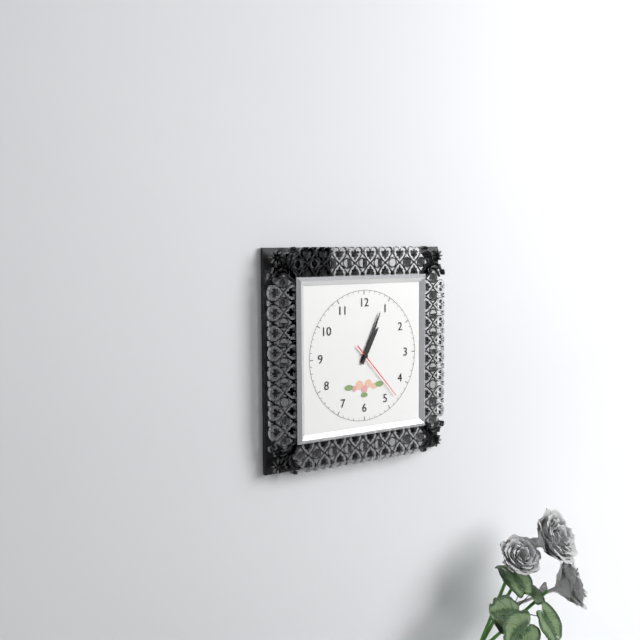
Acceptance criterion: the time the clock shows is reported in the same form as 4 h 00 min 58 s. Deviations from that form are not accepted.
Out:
1 h 04 min 23 s
